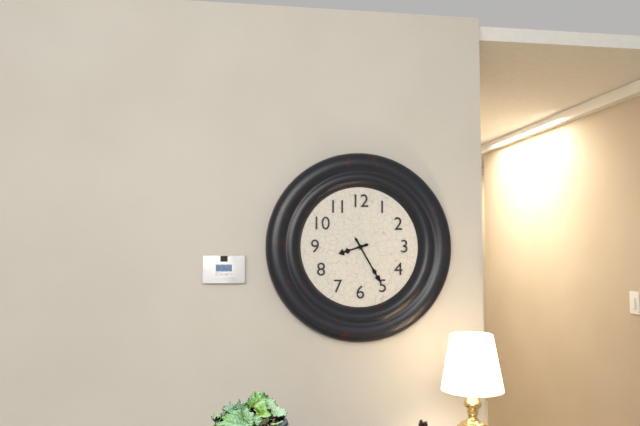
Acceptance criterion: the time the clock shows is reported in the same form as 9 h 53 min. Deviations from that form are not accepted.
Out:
8 h 25 min
